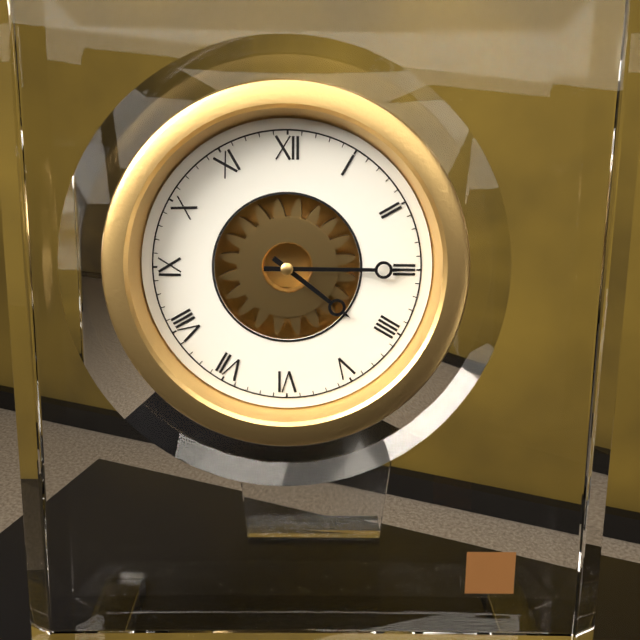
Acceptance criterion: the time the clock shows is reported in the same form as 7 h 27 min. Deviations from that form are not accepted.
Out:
4 h 15 min
